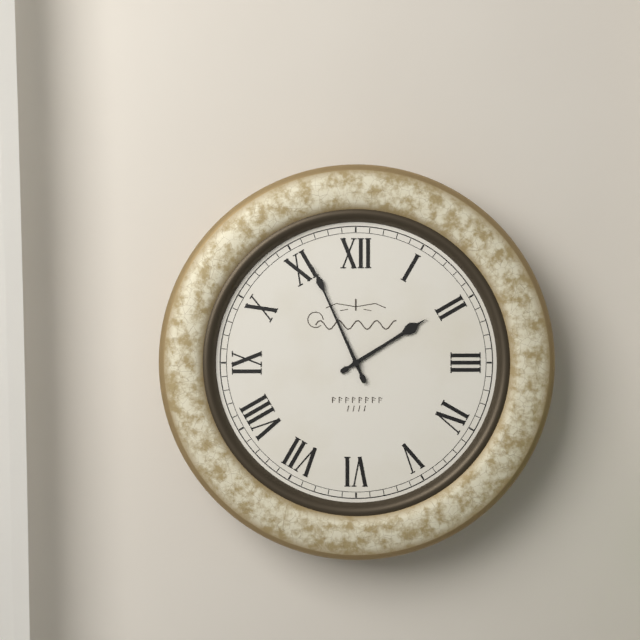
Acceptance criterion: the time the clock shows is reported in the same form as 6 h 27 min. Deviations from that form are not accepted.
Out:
1 h 56 min
